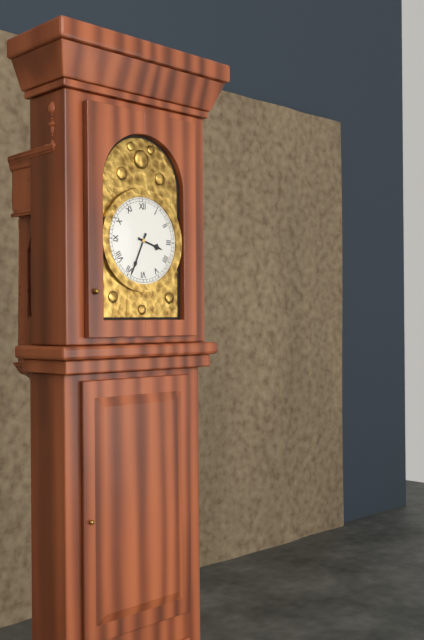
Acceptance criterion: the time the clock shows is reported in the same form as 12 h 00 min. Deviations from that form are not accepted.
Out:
3 h 34 min
